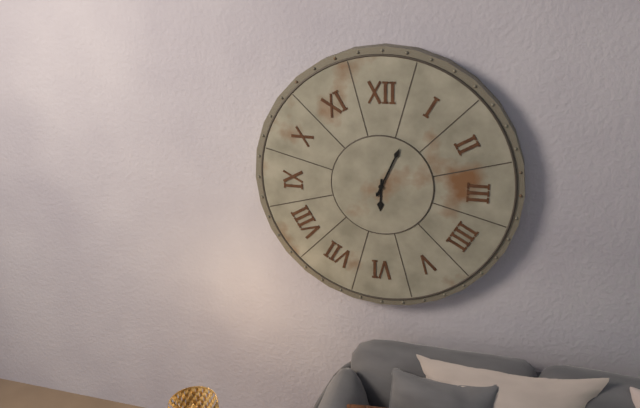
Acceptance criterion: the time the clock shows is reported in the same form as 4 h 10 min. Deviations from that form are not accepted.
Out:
6 h 04 min
